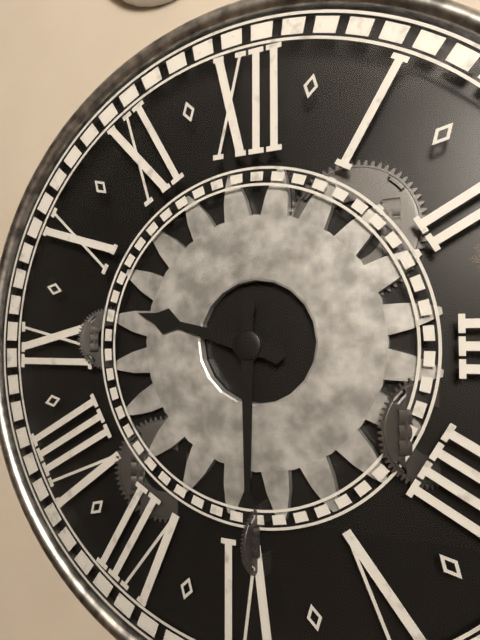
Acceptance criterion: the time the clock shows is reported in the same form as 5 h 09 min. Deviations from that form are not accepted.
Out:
9 h 30 min
